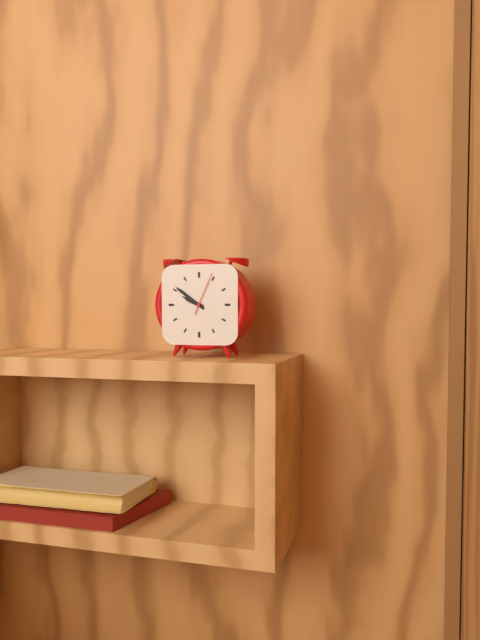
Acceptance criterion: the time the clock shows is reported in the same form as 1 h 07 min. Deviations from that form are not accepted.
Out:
9 h 51 min
